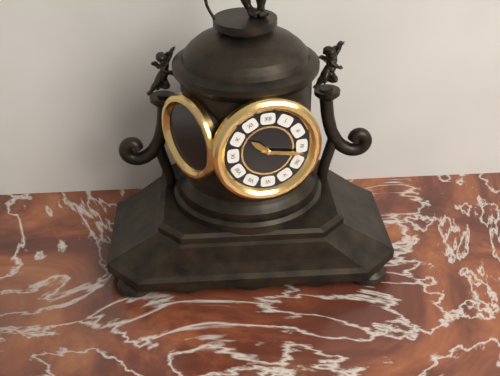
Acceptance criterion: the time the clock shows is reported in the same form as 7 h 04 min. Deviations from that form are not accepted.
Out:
10 h 17 min
